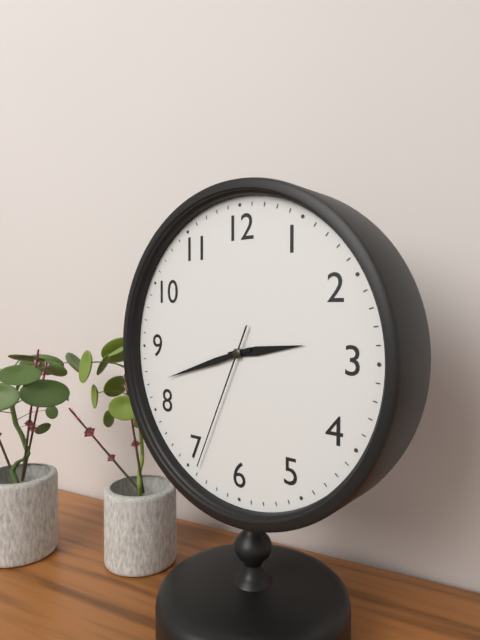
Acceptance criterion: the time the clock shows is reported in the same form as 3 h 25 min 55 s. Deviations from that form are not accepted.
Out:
2 h 42 min 34 s
